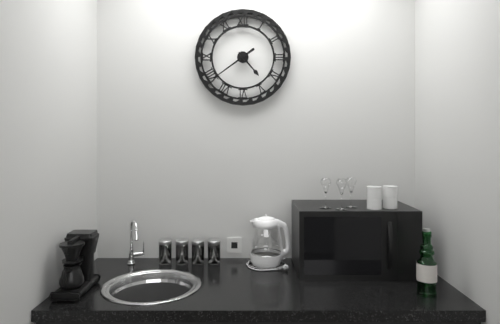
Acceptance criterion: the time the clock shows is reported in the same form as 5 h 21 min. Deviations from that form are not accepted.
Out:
4 h 39 min
